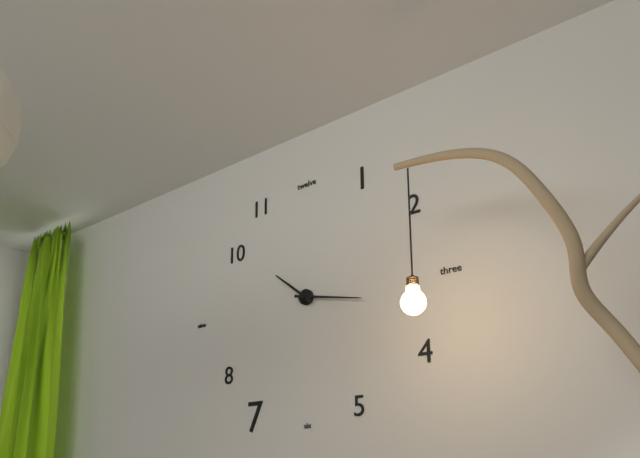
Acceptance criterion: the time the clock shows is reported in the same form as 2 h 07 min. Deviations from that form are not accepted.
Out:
10 h 17 min
